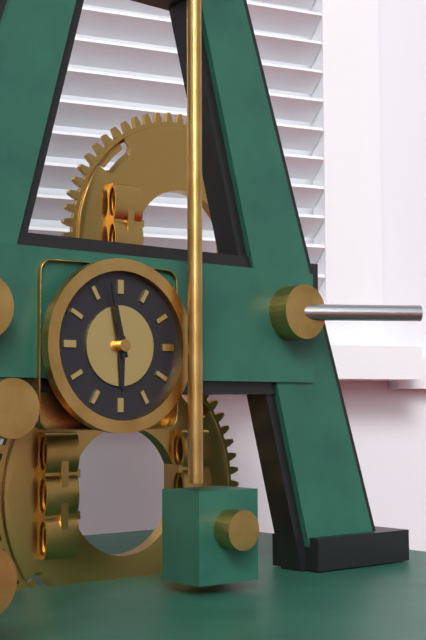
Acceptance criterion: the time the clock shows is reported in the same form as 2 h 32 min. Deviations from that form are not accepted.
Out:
5 h 58 min
